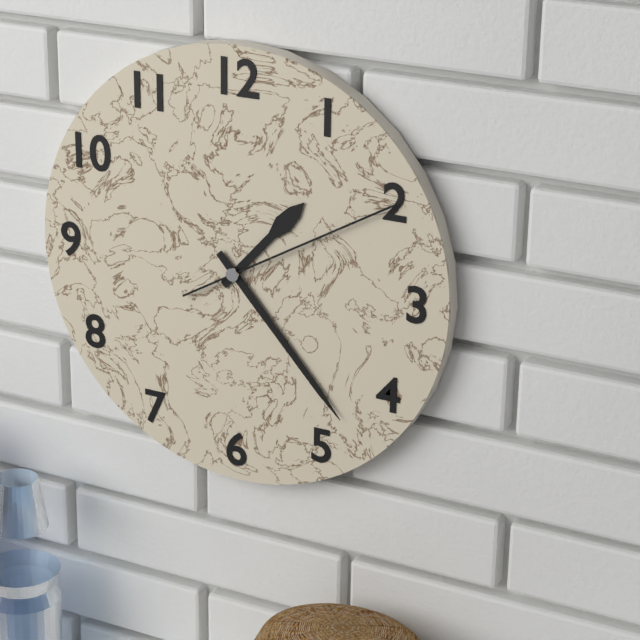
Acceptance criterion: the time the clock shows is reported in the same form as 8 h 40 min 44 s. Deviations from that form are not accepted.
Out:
1 h 23 min 10 s
